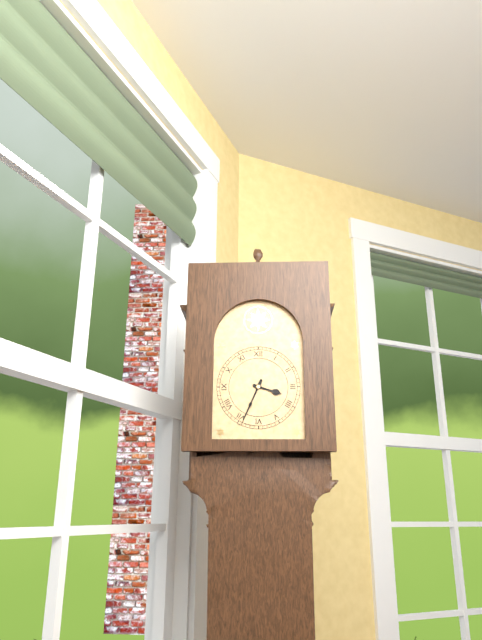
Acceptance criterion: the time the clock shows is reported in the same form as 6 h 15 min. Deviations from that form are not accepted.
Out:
3 h 34 min
